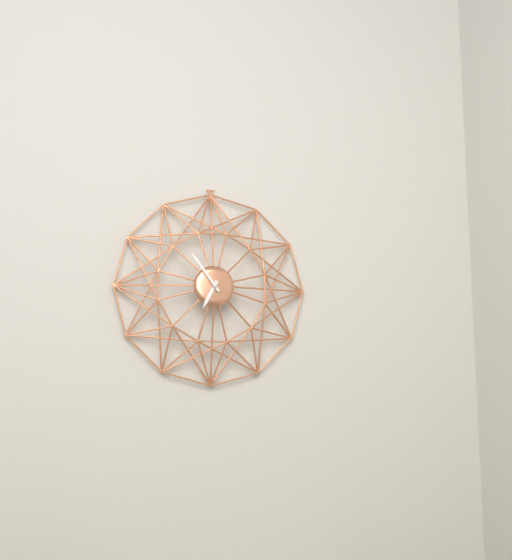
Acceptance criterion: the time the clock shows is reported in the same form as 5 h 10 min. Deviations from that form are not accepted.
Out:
6 h 54 min
